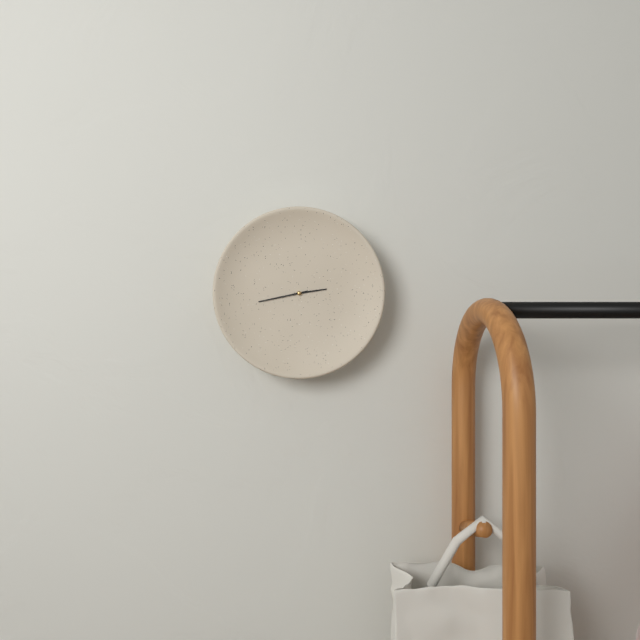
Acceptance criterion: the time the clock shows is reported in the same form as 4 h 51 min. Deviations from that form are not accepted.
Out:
2 h 43 min
